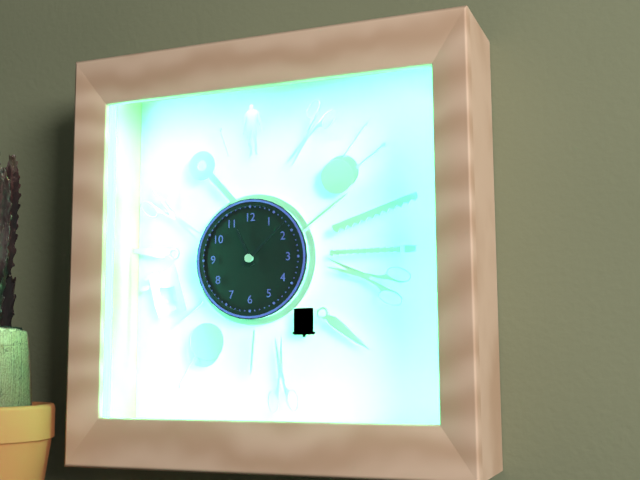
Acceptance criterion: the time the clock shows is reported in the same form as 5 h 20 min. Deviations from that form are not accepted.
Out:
11 h 08 min
